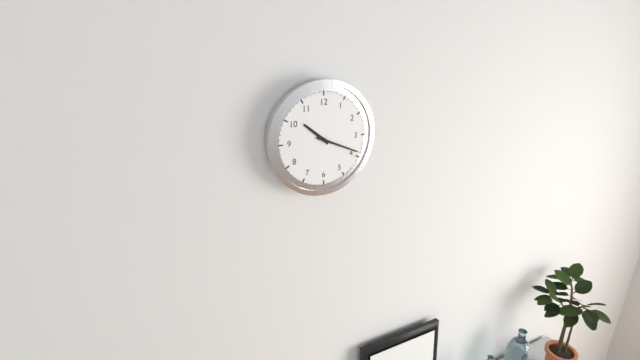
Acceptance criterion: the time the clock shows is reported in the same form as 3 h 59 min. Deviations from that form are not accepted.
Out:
10 h 19 min
